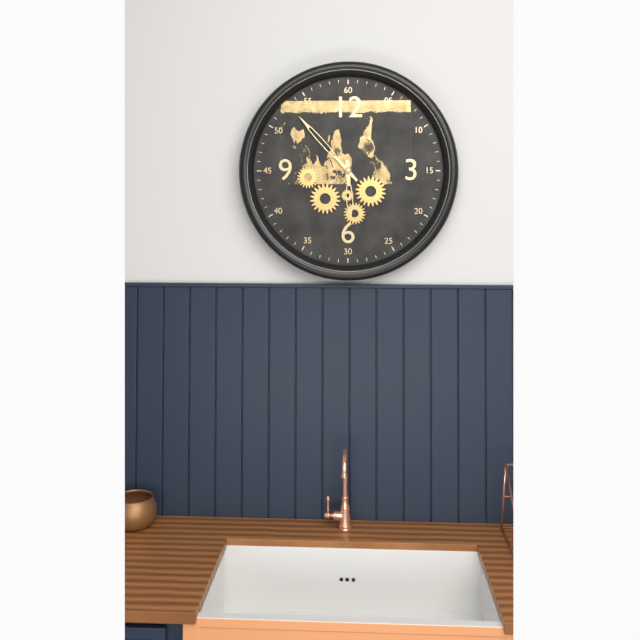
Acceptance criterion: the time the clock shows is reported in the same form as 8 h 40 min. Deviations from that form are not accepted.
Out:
5 h 53 min
